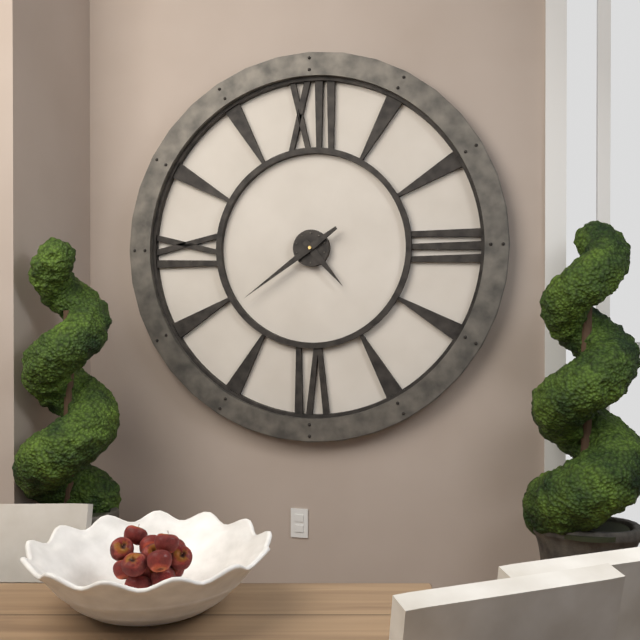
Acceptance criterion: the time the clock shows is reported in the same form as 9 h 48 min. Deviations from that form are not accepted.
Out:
4 h 39 min
